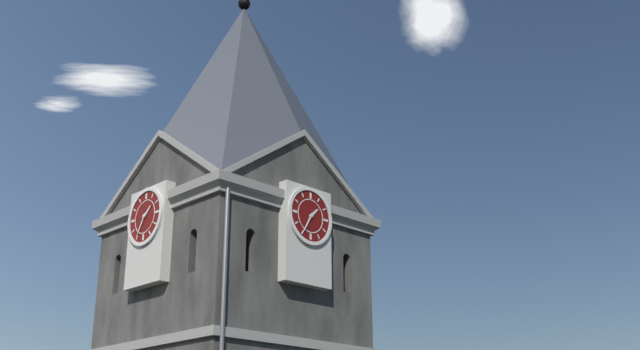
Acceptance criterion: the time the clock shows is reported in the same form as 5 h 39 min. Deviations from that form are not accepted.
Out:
1 h 35 min
